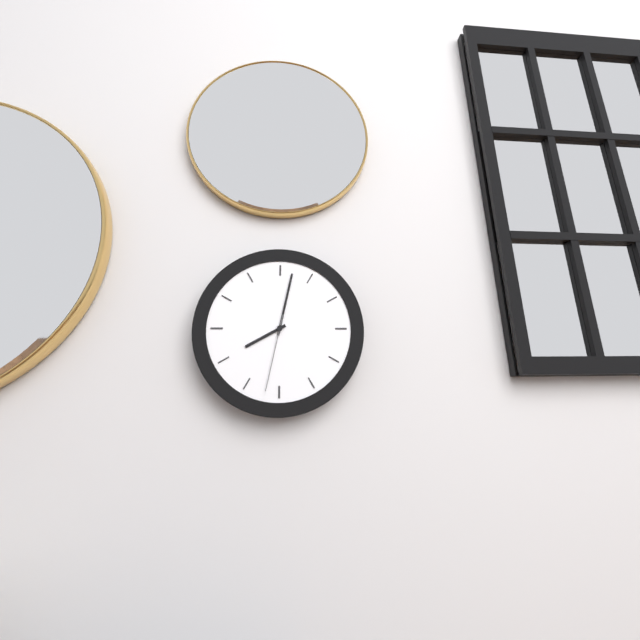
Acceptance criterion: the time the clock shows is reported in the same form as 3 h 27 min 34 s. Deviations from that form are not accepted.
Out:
8 h 02 min 32 s
